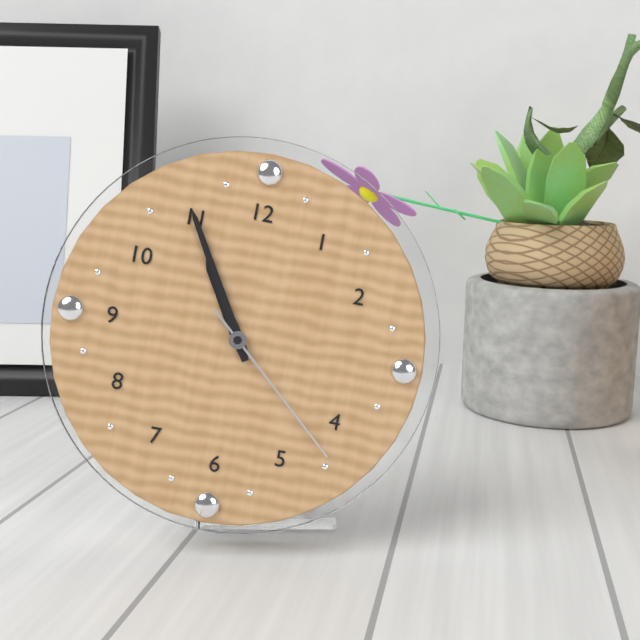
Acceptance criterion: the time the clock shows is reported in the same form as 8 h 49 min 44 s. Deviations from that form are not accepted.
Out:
10 h 55 min 22 s
